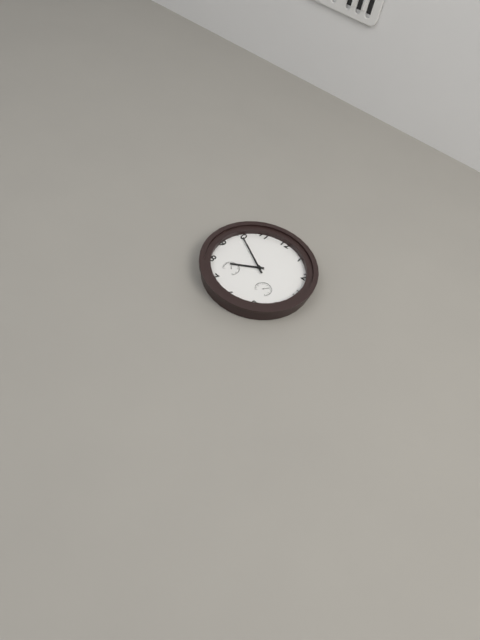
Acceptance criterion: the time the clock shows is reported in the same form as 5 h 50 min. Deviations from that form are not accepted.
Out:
7 h 50 min
